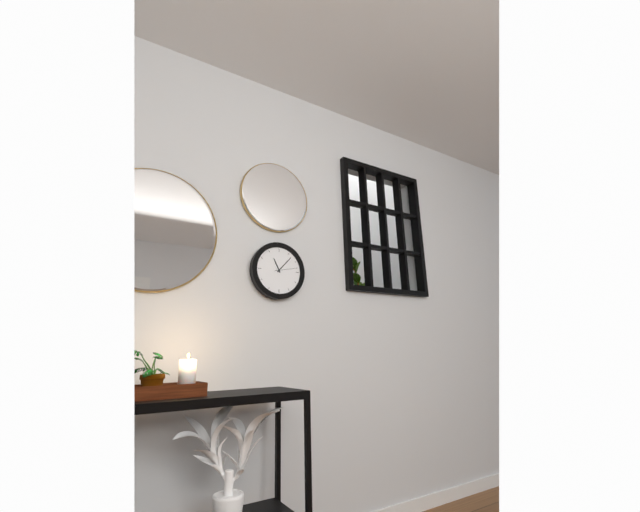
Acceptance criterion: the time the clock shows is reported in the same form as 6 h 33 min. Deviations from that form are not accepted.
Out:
11 h 07 min
